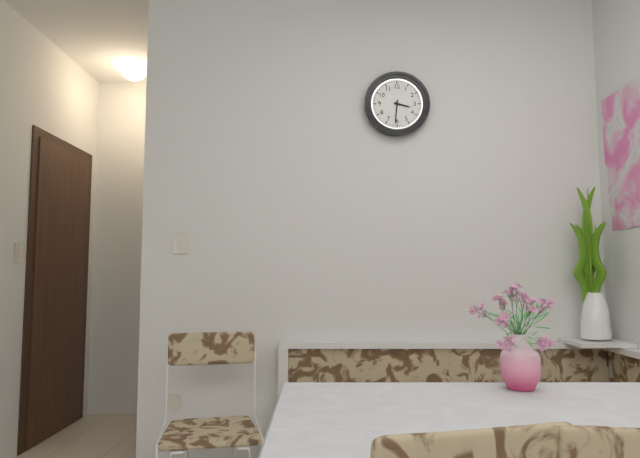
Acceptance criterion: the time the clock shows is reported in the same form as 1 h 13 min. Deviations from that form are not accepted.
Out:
3 h 31 min
